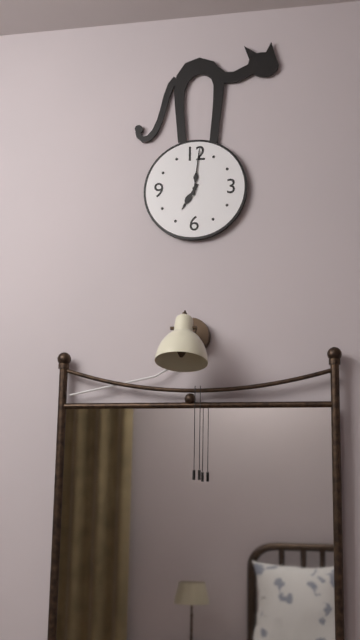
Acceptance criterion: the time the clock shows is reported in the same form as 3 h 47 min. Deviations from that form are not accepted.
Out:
7 h 01 min
